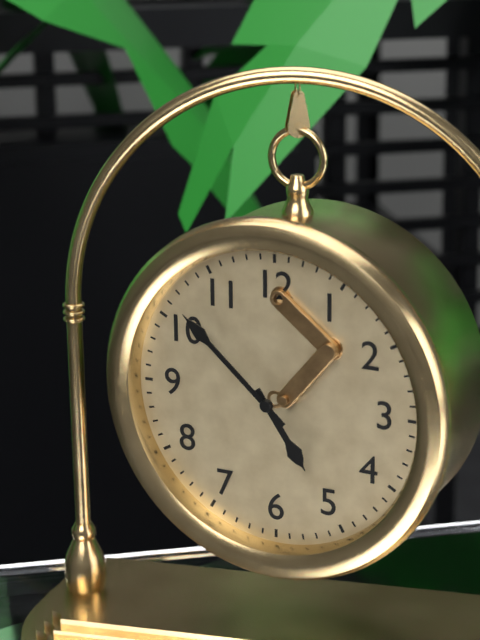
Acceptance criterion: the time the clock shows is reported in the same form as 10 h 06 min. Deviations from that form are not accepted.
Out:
4 h 52 min
